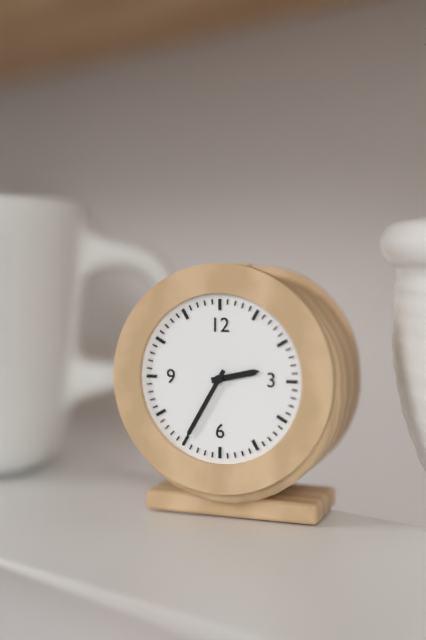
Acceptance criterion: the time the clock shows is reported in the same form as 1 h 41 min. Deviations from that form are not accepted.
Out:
2 h 35 min
